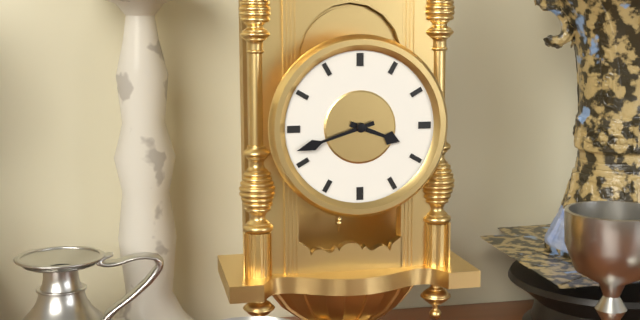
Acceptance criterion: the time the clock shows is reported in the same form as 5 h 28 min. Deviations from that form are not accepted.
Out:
3 h 42 min
